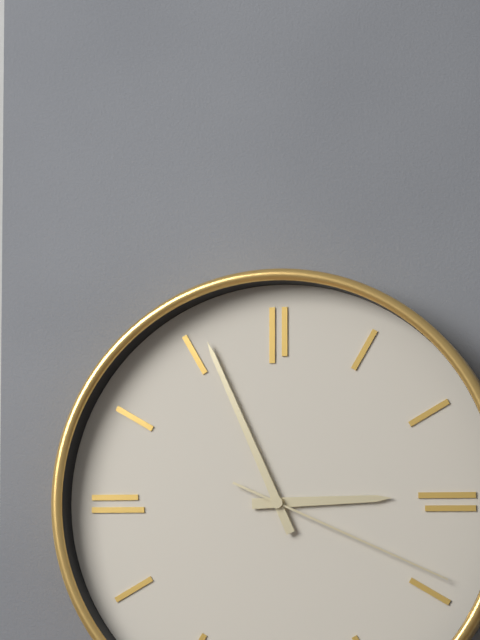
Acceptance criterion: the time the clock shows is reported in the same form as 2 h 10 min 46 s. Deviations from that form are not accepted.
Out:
2 h 56 min 19 s
